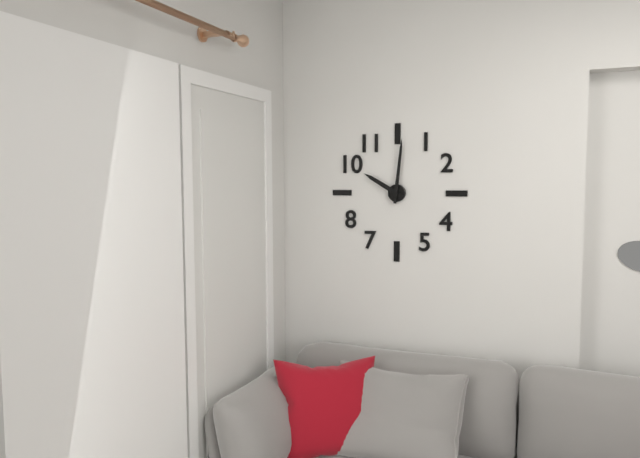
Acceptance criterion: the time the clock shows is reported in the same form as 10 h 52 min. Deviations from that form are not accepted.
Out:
10 h 01 min
